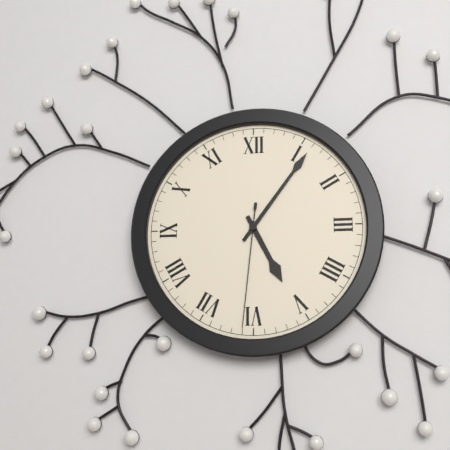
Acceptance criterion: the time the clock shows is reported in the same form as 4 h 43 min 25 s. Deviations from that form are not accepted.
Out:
5 h 06 min 31 s
